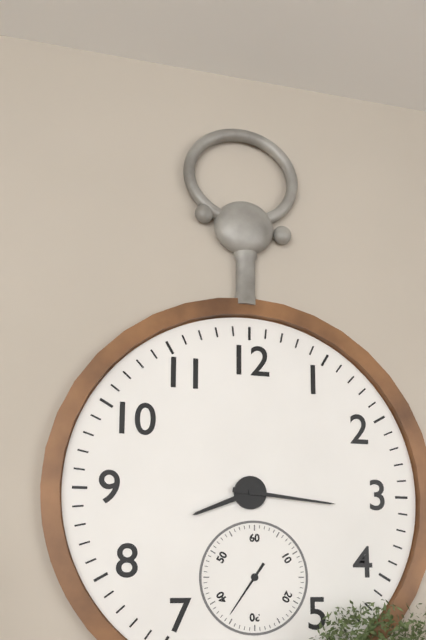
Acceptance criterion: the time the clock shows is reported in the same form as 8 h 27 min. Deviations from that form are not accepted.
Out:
8 h 16 min
